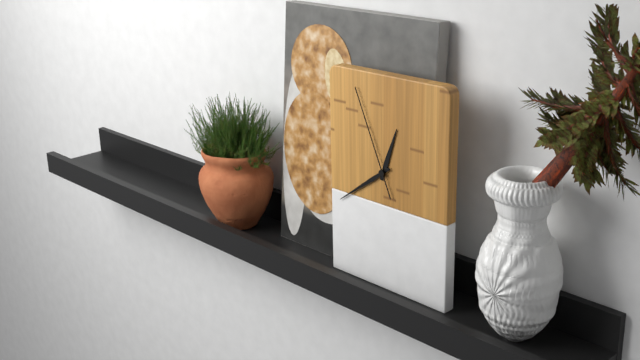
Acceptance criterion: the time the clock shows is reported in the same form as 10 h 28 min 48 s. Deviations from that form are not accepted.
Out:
12 h 39 min 56 s
